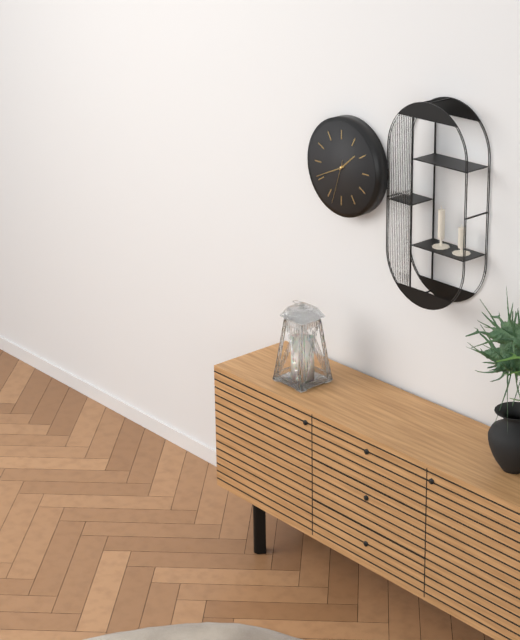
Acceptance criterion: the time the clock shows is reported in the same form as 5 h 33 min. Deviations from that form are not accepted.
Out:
1 h 41 min
